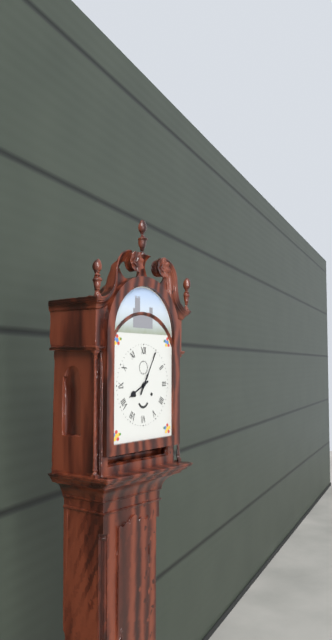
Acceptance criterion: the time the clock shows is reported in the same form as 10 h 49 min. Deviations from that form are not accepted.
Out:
8 h 05 min
